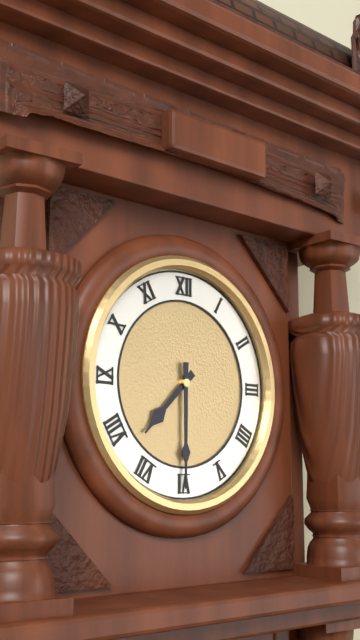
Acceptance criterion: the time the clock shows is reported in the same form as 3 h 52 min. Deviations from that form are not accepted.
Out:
7 h 30 min
